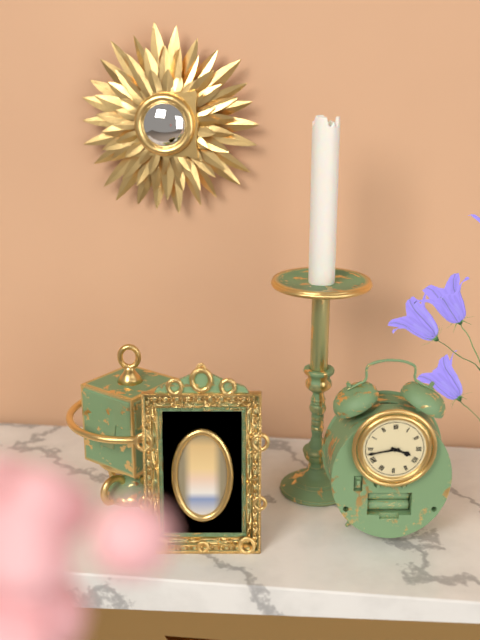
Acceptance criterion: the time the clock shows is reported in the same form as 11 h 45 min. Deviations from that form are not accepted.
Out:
3 h 43 min
